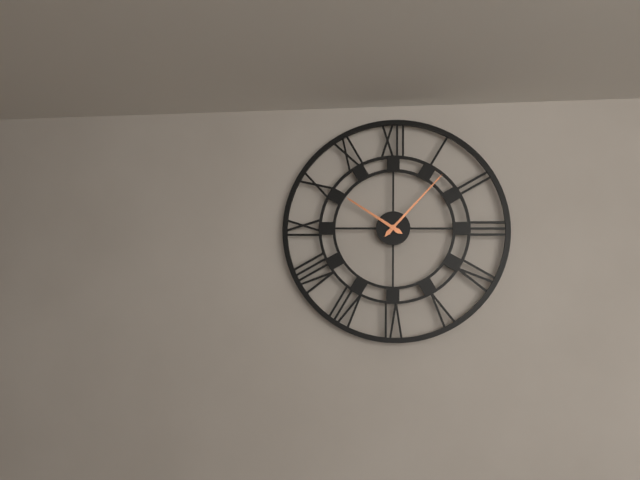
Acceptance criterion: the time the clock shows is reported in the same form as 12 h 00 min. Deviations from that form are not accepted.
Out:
10 h 07 min
